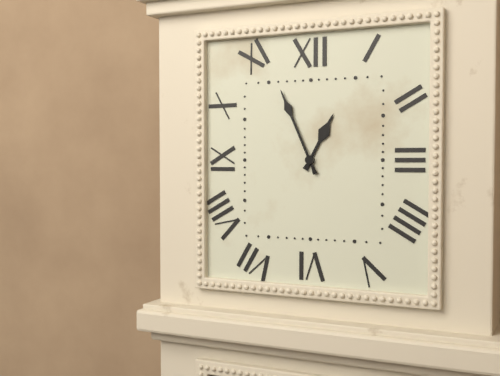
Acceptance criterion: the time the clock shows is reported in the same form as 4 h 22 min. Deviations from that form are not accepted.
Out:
12 h 56 min
